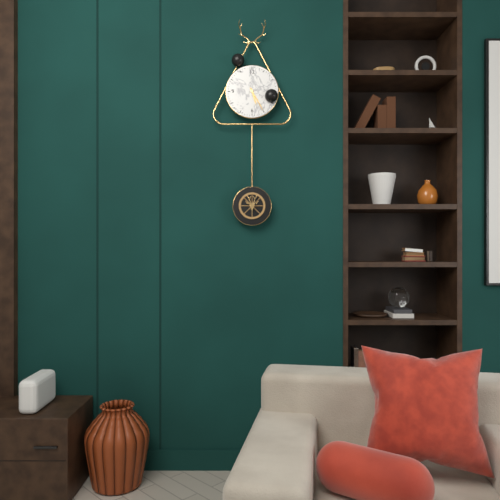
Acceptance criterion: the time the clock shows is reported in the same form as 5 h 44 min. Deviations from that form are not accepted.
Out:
5 h 25 min
